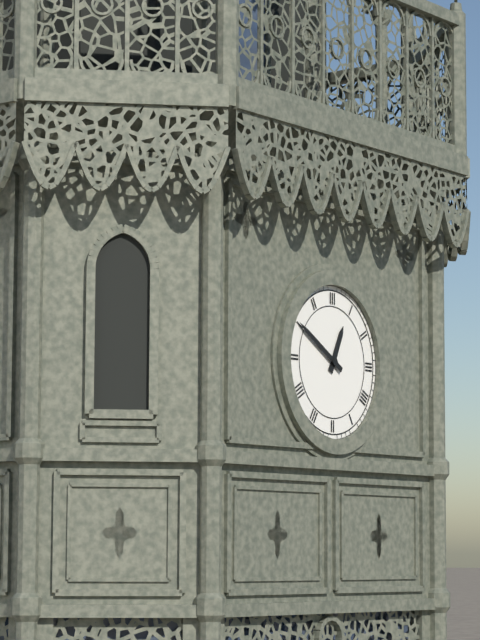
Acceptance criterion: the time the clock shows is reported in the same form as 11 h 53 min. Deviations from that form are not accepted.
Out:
12 h 50 min
